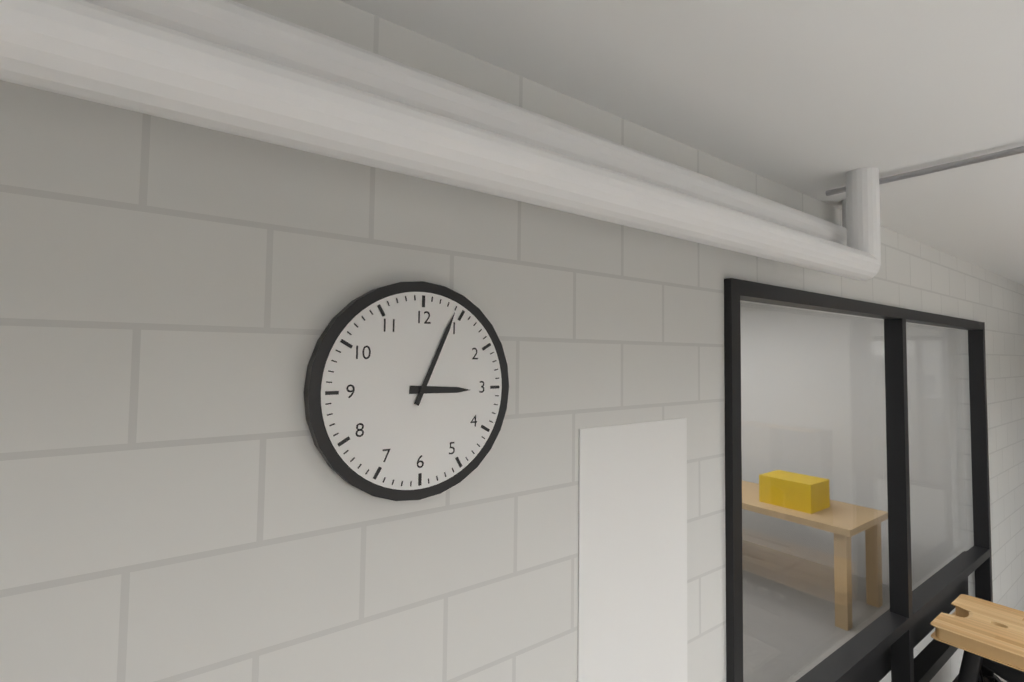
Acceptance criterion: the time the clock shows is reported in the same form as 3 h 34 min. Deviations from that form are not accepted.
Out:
3 h 04 min
